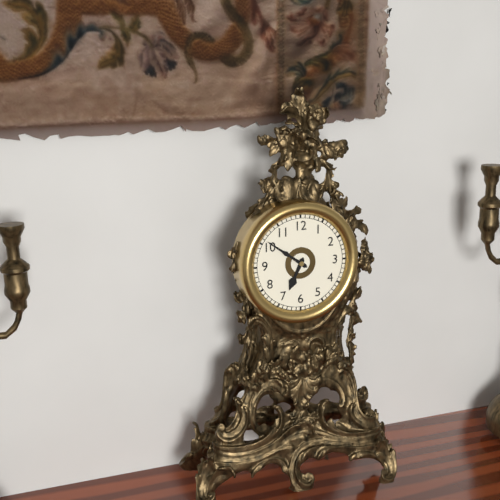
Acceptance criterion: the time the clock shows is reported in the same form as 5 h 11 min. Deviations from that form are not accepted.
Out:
6 h 51 min
